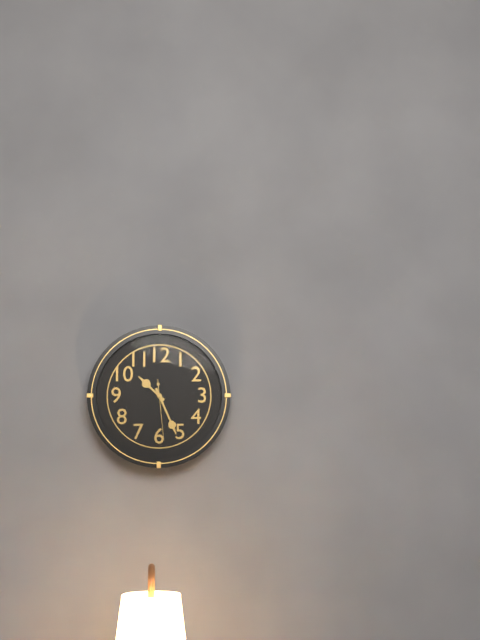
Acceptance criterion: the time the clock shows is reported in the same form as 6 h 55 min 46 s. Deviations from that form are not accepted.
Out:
10 h 26 min 29 s
